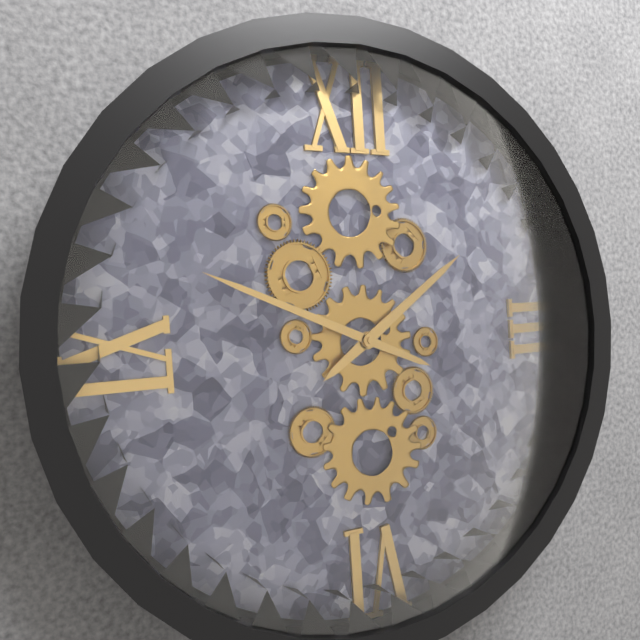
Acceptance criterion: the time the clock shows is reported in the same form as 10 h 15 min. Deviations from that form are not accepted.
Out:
1 h 49 min
